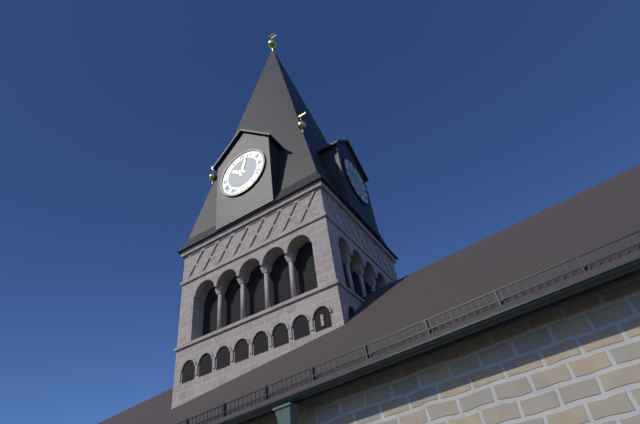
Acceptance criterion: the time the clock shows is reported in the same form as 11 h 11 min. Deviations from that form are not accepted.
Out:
10 h 03 min
